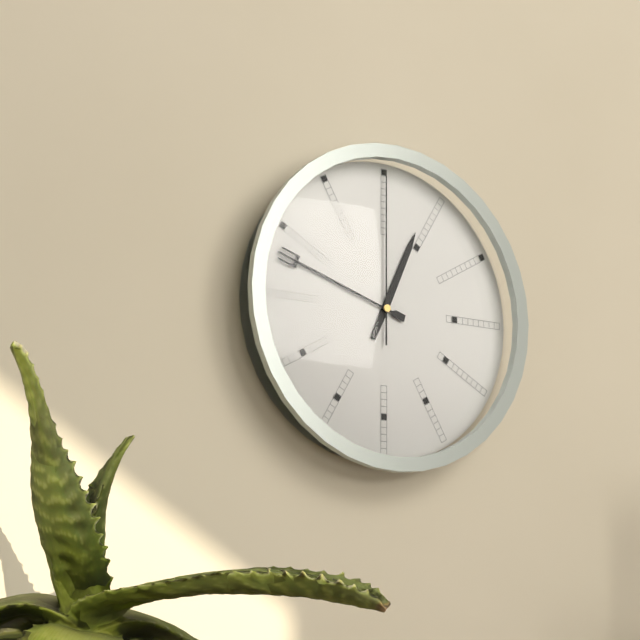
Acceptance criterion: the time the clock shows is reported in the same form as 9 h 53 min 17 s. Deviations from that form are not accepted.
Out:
12 h 48 min 00 s
